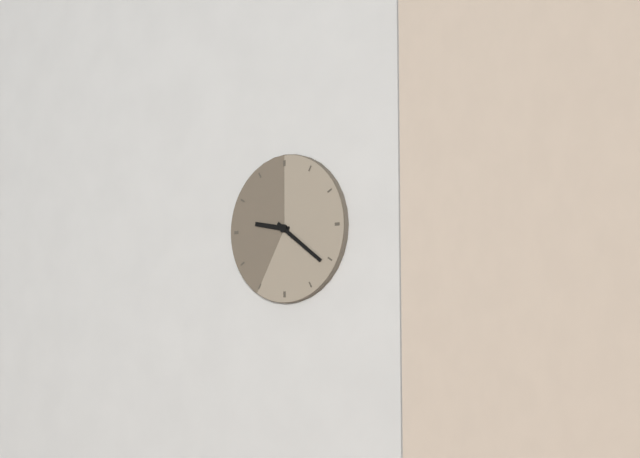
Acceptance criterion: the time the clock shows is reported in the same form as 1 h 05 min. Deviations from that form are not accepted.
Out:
9 h 21 min
